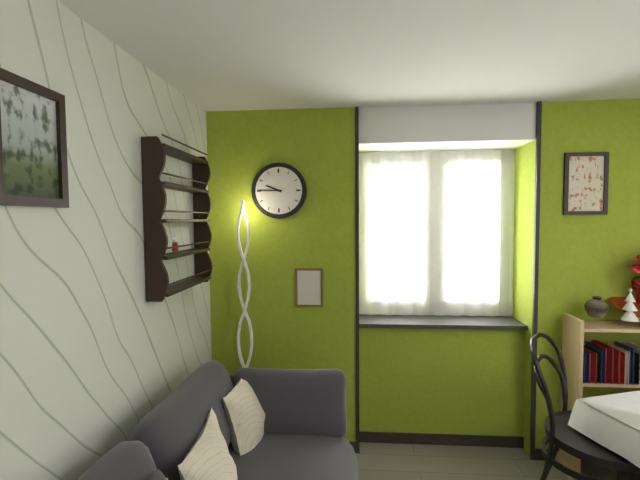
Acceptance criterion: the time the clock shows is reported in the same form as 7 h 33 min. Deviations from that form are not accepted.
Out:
9 h 45 min
